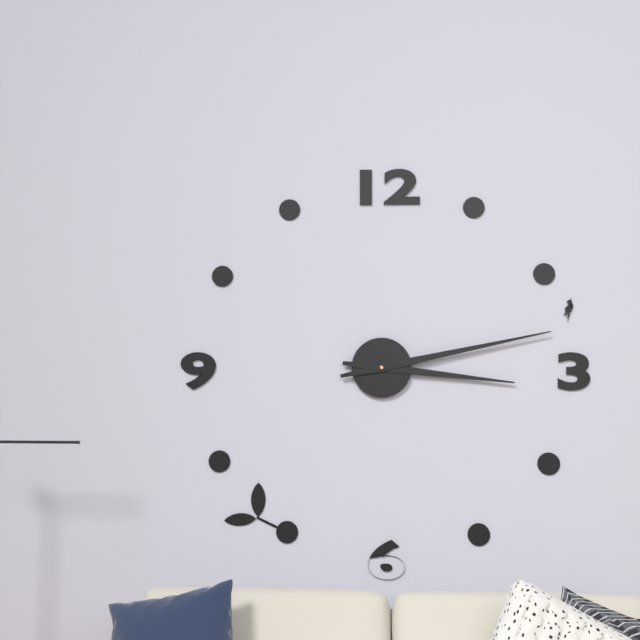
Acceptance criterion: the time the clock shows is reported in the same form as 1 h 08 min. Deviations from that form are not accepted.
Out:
3 h 13 min
